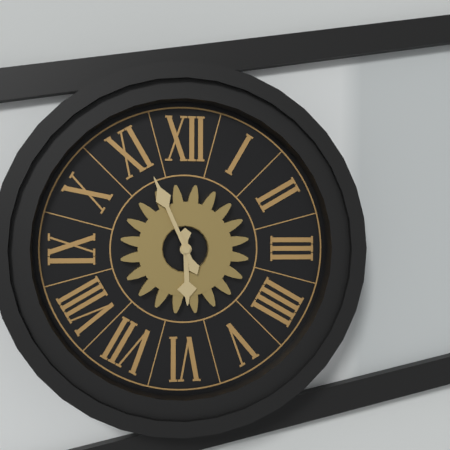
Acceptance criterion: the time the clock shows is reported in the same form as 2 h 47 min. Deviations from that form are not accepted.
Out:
5 h 56 min
